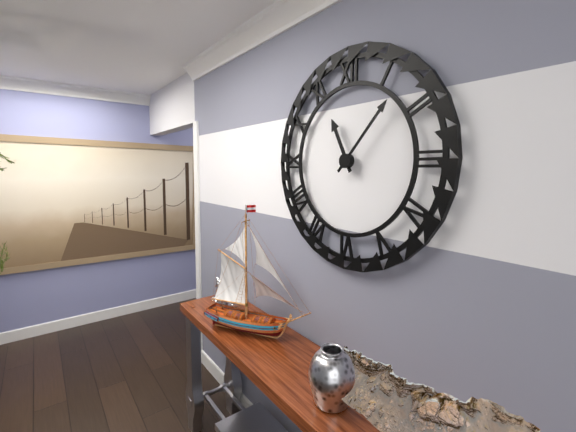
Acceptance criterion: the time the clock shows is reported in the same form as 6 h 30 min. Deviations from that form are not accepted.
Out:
11 h 07 min
